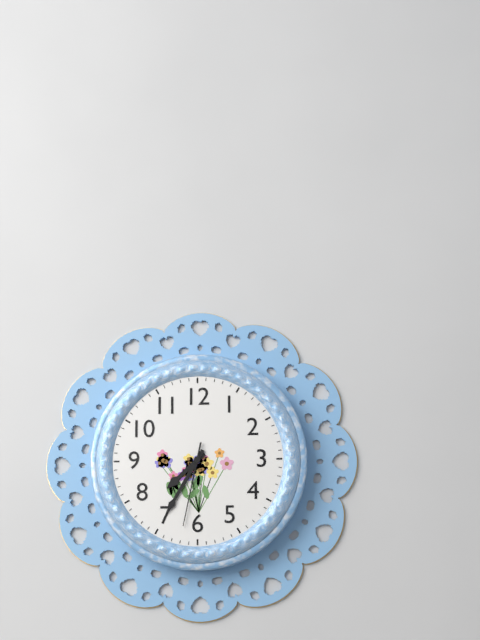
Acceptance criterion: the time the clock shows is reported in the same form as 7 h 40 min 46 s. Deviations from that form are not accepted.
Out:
7 h 35 min 32 s
